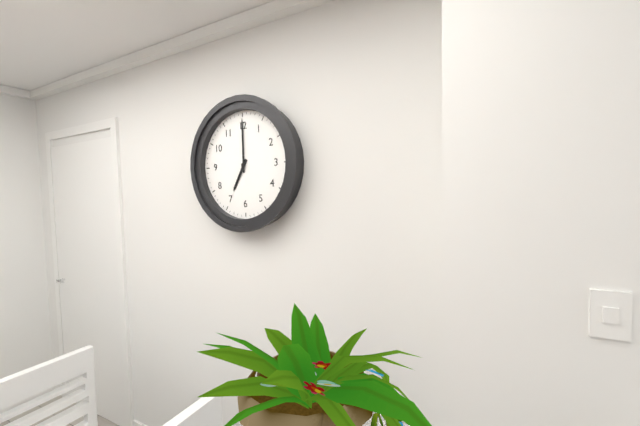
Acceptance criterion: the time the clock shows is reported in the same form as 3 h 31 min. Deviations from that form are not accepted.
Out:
7 h 00 min
